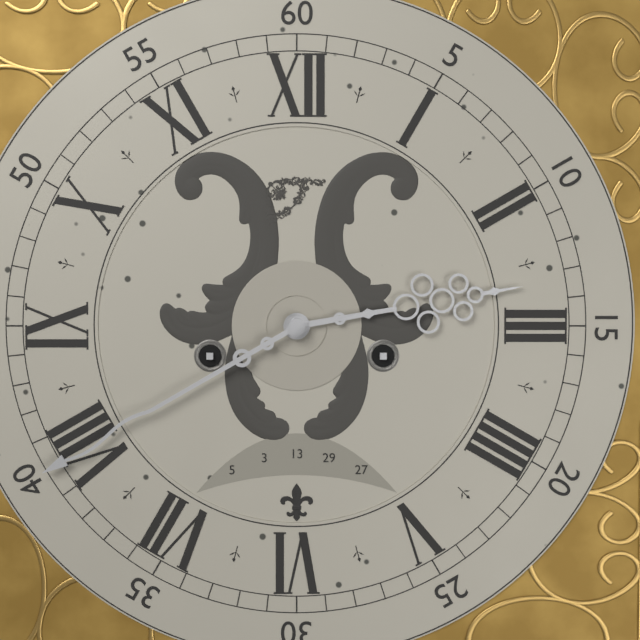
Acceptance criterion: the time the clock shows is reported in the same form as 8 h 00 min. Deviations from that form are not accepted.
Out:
2 h 40 min
